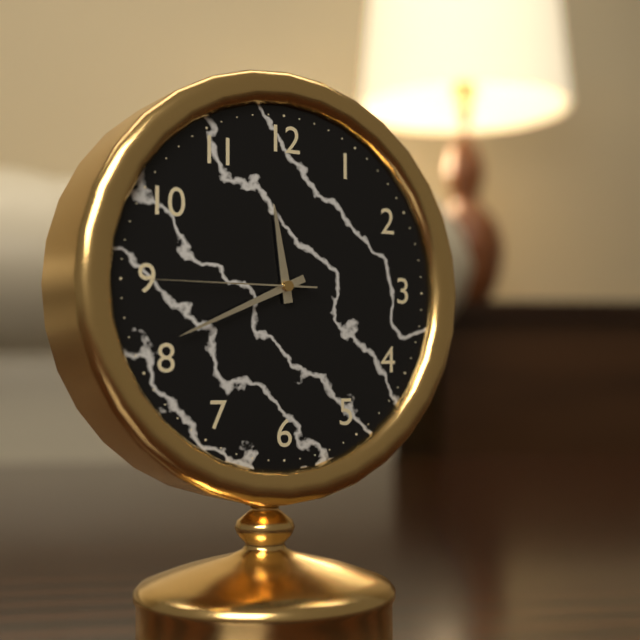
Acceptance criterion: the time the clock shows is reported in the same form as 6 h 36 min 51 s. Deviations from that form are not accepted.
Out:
11 h 41 min 45 s
